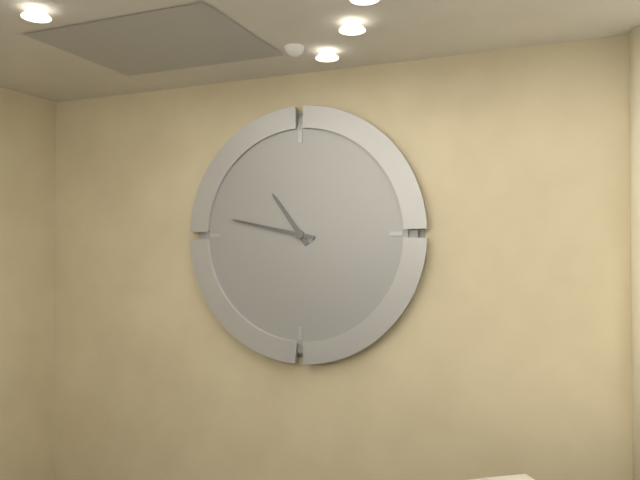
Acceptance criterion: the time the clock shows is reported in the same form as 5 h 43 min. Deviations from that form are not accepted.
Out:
10 h 47 min
